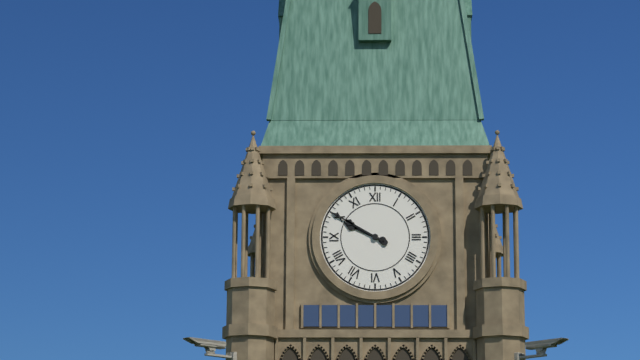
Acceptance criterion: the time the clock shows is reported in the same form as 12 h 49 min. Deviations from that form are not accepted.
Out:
9 h 50 min
